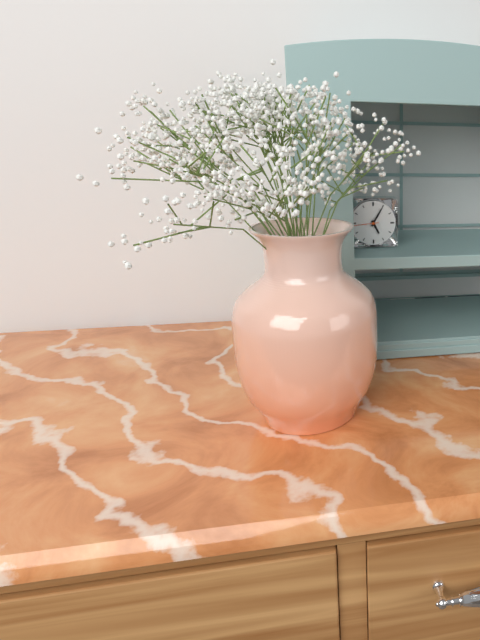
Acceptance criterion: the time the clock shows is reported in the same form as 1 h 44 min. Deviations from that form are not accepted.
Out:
5 h 05 min
